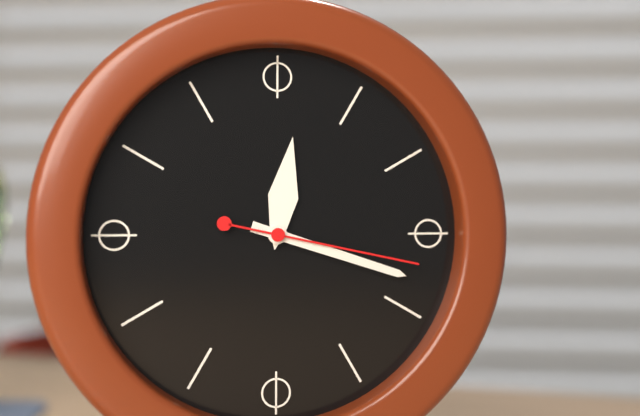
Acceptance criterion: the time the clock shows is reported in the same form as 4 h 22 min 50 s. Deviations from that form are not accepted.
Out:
12 h 18 min 17 s
